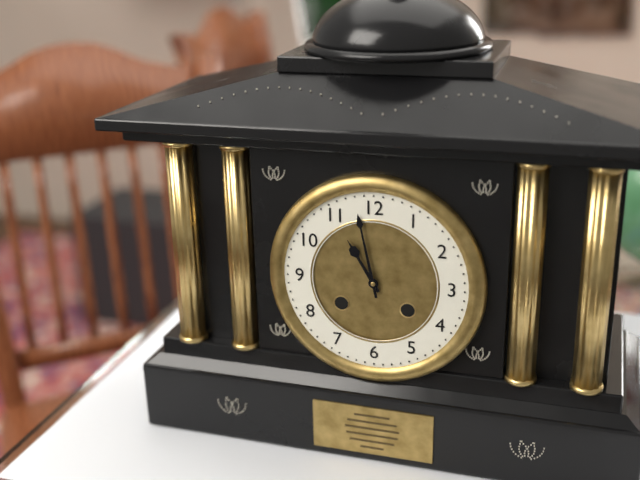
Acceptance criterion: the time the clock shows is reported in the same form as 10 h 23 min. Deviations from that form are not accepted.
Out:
10 h 58 min
